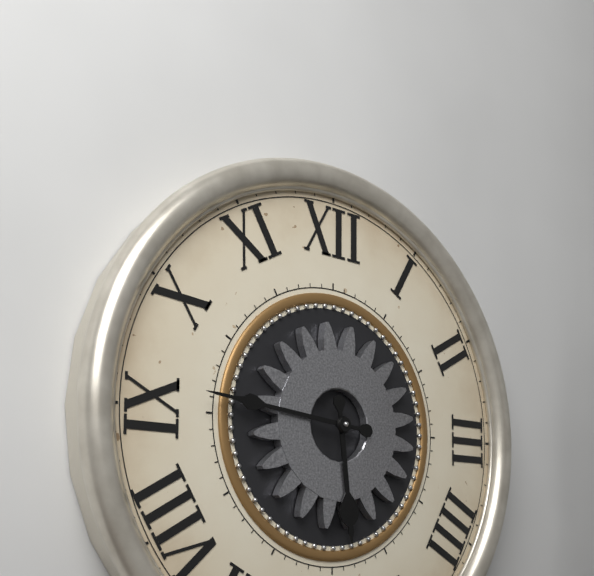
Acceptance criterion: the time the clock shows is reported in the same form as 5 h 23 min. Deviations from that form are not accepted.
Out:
5 h 46 min
